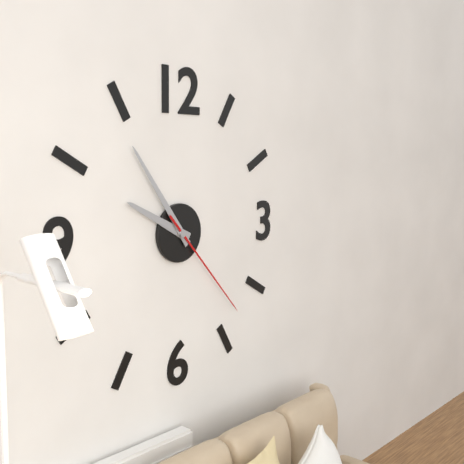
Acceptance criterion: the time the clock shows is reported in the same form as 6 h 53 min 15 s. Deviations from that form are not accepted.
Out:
9 h 54 min 23 s
